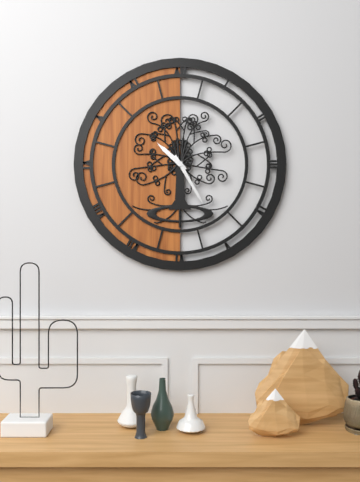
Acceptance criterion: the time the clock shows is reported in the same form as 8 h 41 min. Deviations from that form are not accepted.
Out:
10 h 25 min
